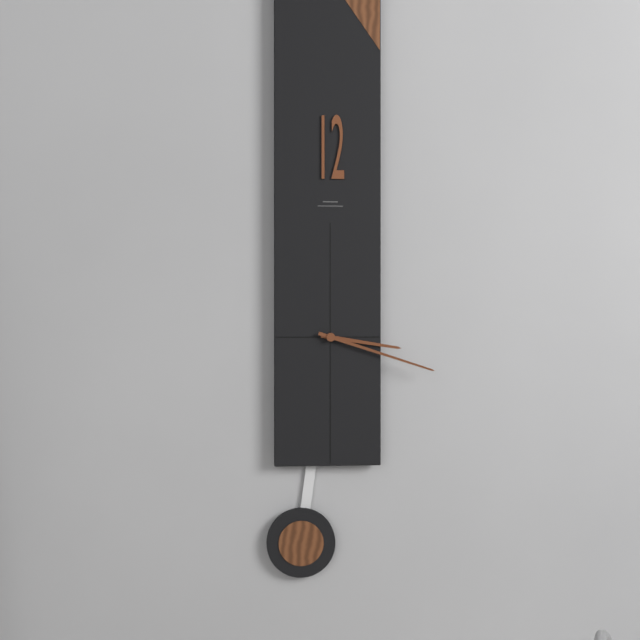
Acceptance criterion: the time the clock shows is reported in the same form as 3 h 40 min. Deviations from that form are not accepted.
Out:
3 h 18 min
